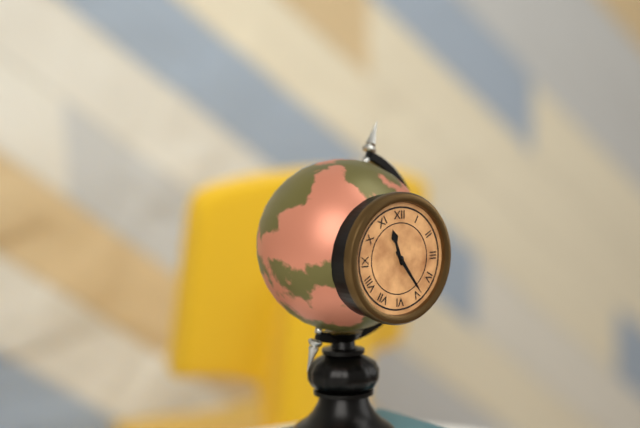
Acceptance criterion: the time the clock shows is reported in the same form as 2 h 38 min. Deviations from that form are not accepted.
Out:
11 h 24 min
